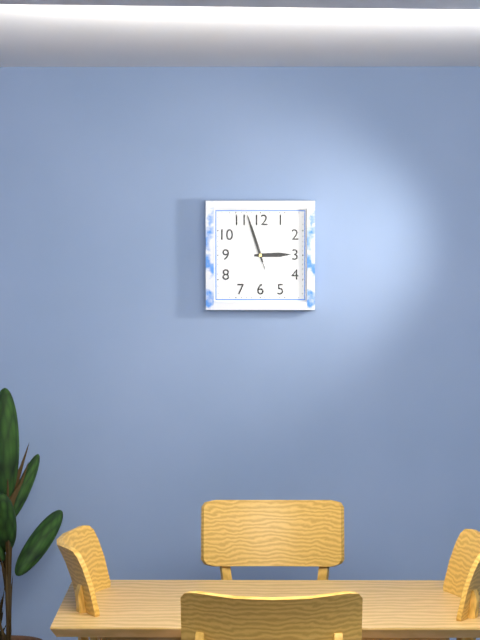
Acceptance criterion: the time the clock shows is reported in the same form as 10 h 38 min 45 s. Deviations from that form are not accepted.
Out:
2 h 57 min 57 s
